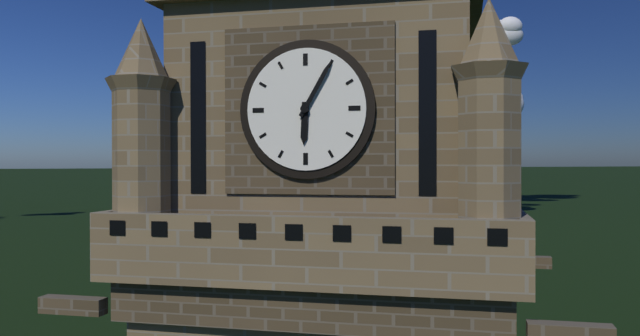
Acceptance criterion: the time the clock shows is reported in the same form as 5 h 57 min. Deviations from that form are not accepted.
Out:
6 h 05 min
